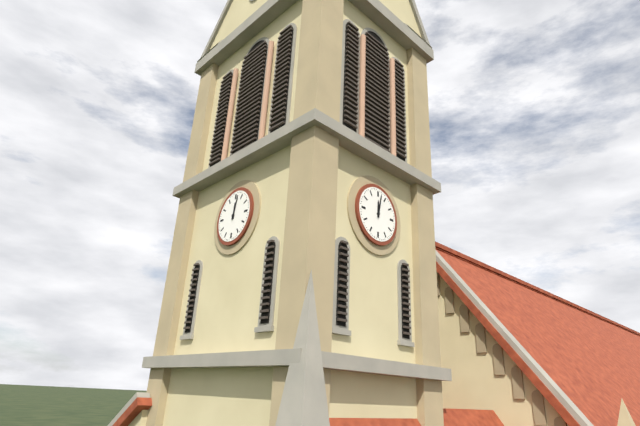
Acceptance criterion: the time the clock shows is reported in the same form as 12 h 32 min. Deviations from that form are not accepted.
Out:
12 h 02 min
